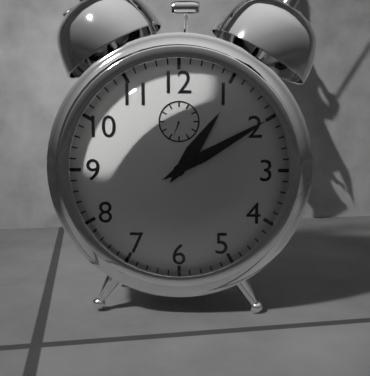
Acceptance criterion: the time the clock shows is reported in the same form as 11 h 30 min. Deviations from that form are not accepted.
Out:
1 h 10 min
